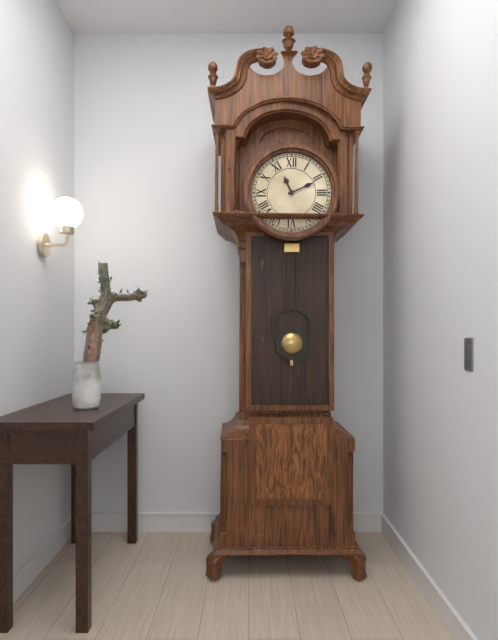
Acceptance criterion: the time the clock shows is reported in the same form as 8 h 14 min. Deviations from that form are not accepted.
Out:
11 h 11 min
